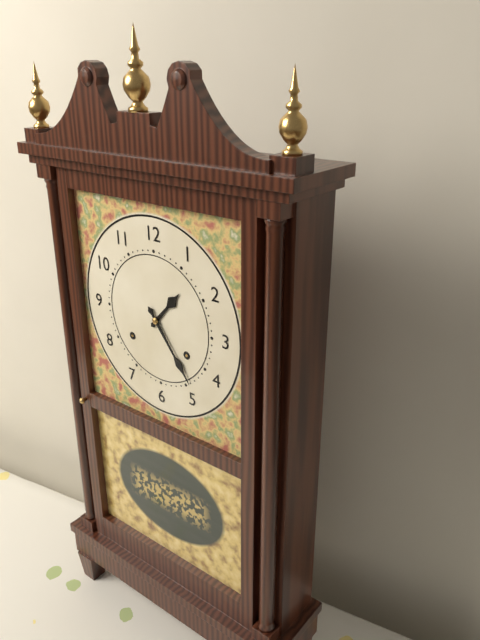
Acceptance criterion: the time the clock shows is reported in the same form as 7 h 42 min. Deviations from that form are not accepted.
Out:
1 h 24 min
